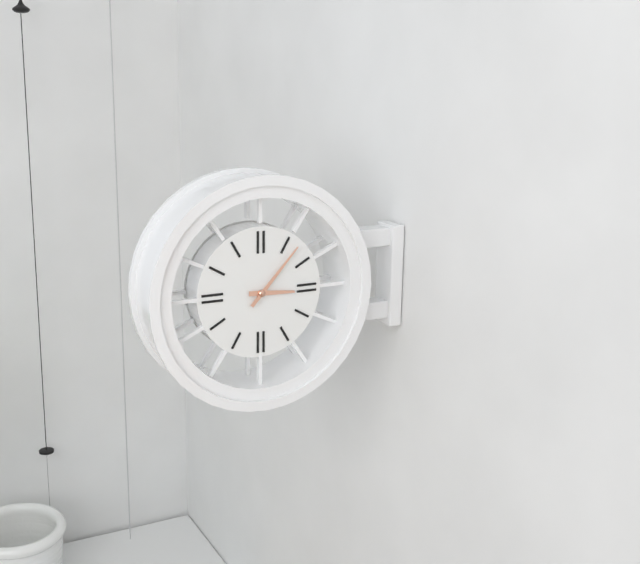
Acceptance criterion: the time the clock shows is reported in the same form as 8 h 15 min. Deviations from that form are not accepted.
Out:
3 h 07 min
